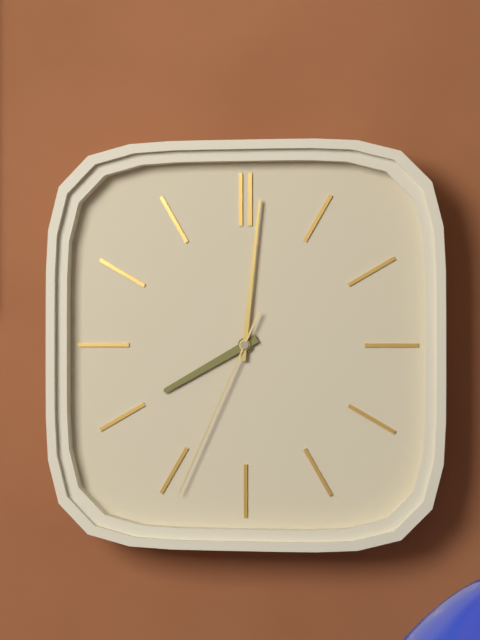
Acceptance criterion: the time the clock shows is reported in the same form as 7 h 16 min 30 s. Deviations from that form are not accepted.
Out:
8 h 01 min 34 s
